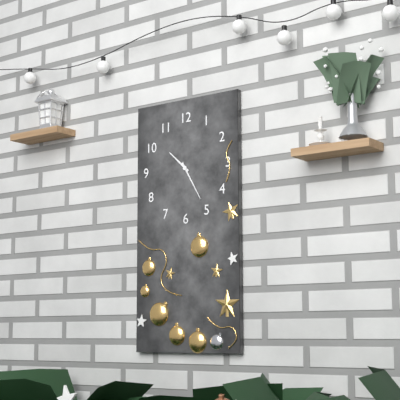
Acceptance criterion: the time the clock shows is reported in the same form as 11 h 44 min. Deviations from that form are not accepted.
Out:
10 h 25 min
